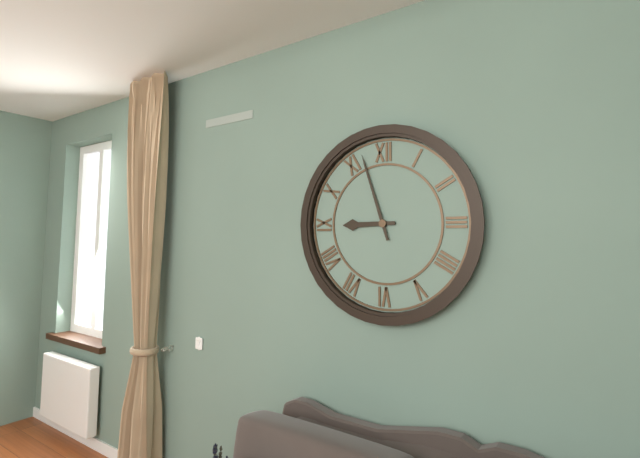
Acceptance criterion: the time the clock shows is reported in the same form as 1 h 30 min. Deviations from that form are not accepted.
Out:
8 h 57 min
